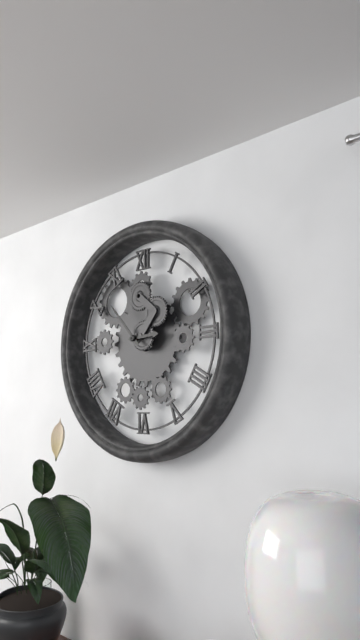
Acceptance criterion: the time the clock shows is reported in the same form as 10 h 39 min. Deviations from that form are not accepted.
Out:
2 h 53 min
